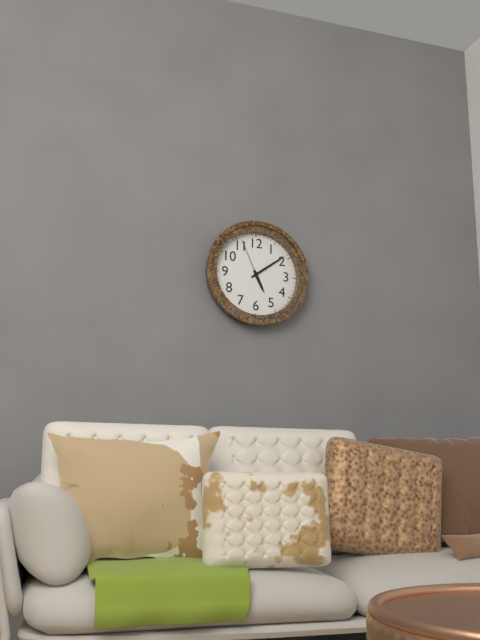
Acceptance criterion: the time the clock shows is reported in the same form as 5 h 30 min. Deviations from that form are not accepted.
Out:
5 h 09 min
